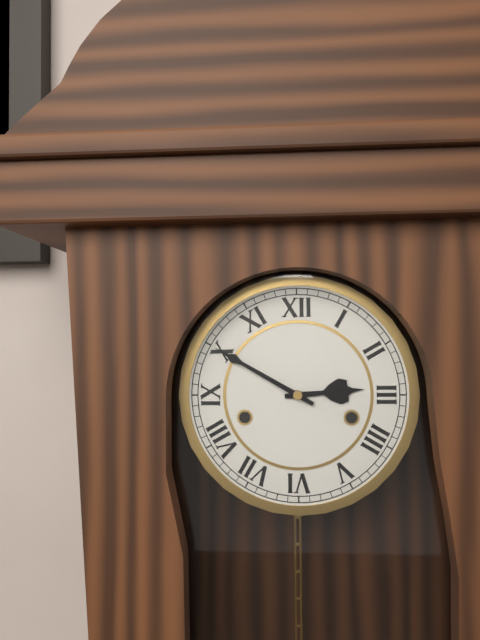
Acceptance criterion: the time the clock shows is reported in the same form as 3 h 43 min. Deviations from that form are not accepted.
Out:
2 h 50 min
